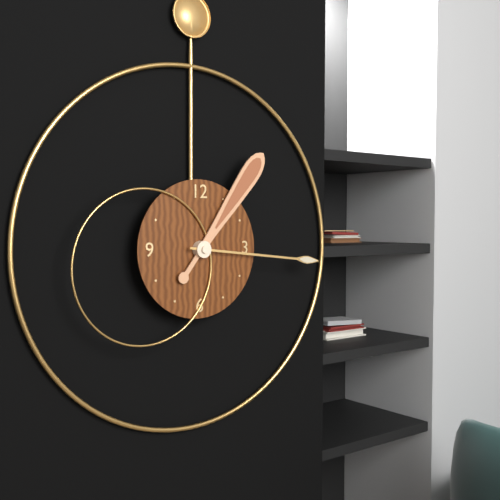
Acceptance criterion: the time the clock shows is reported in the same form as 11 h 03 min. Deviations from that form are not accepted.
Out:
1 h 16 min
